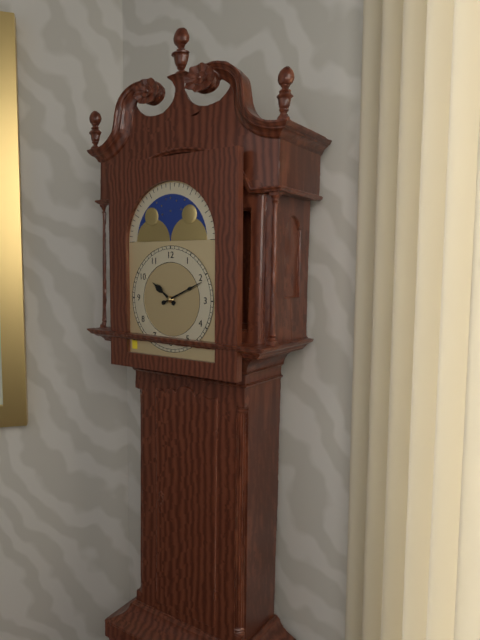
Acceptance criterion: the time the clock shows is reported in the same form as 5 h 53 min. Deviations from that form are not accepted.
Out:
10 h 11 min
